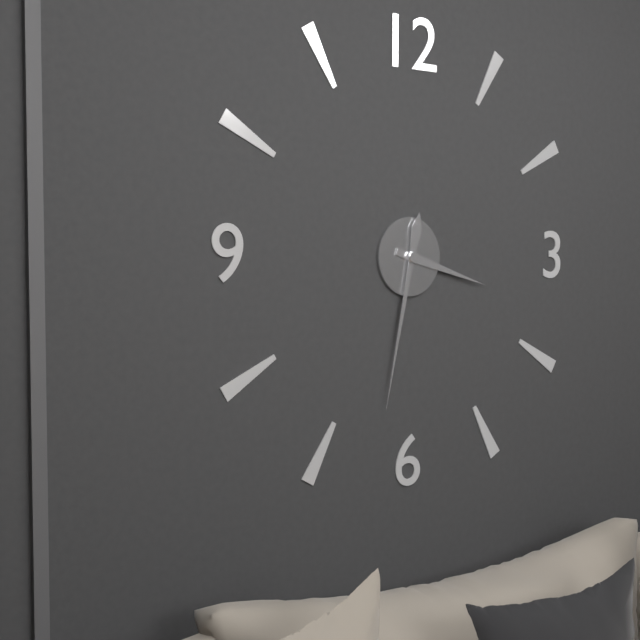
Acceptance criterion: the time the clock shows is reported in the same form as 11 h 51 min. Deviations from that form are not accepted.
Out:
3 h 32 min
